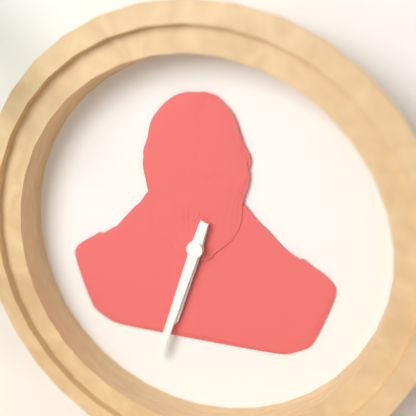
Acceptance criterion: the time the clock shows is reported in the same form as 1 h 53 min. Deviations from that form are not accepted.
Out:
6 h 33 min
